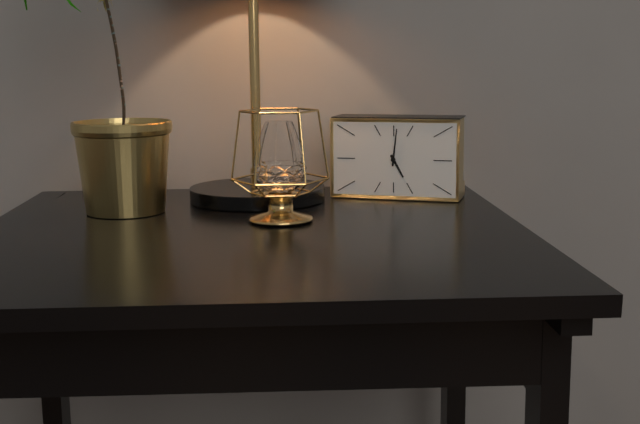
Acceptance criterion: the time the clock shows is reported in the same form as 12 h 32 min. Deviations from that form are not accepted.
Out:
5 h 01 min
